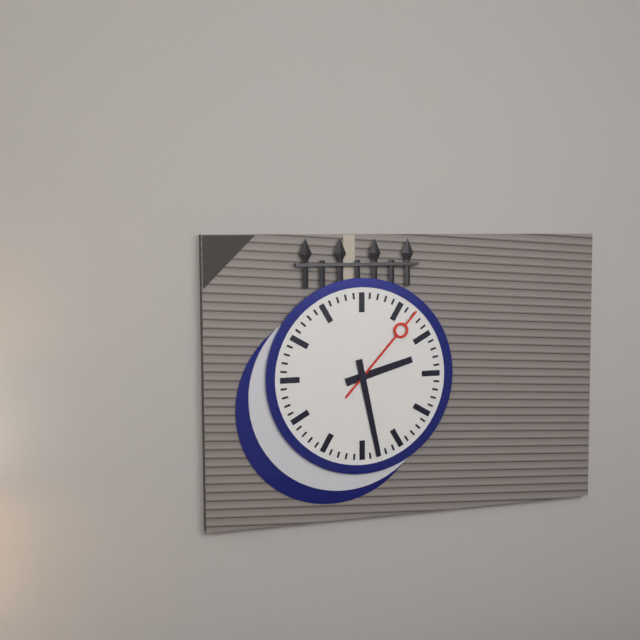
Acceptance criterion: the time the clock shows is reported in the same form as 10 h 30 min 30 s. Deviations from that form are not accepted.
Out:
2 h 28 min 07 s
